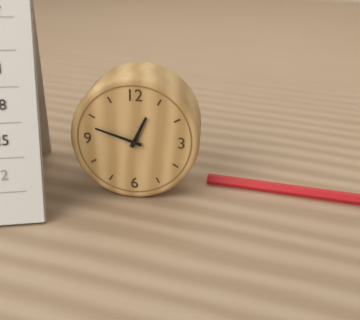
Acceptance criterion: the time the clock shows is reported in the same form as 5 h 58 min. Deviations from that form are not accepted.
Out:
12 h 48 min
